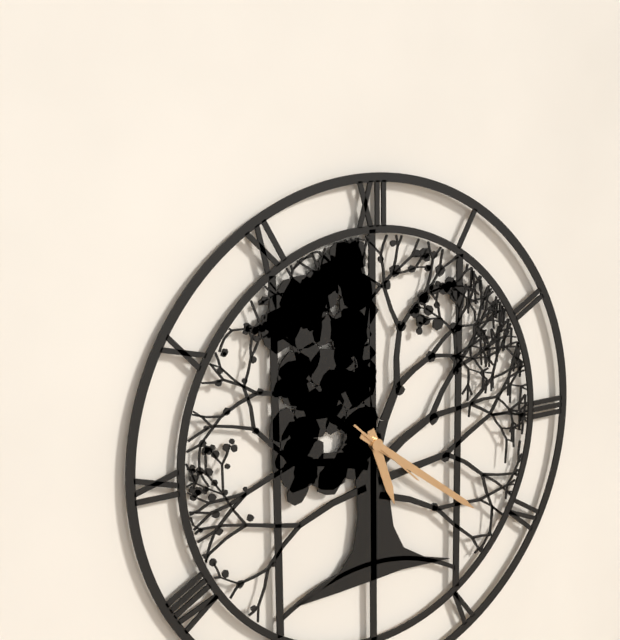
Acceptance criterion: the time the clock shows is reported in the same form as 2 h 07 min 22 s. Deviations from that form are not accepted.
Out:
5 h 21 min 22 s
